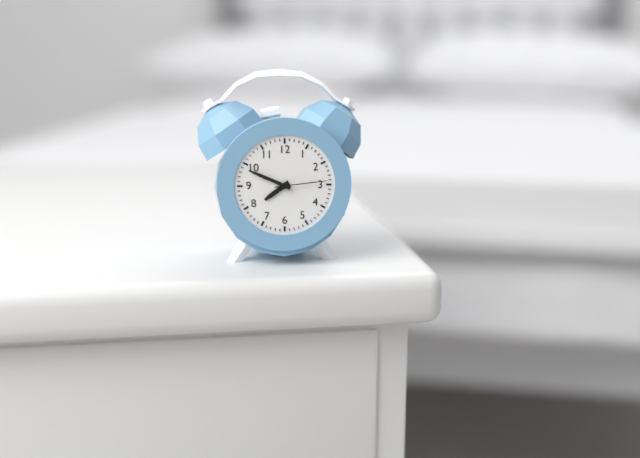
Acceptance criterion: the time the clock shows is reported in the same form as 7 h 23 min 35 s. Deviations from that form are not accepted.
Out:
7 h 49 min 14 s
